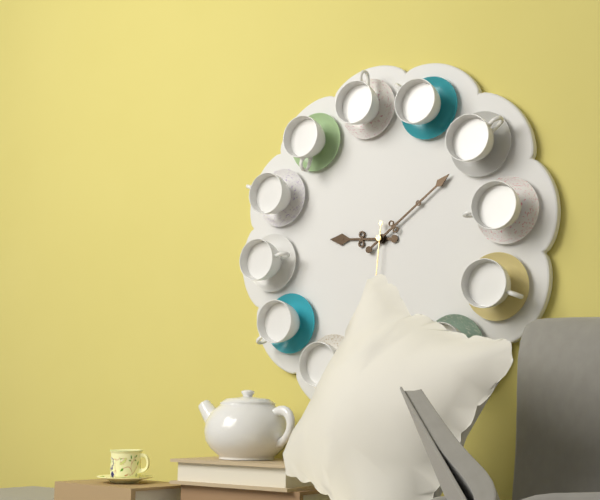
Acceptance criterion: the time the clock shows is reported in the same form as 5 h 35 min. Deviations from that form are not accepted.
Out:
9 h 09 min
